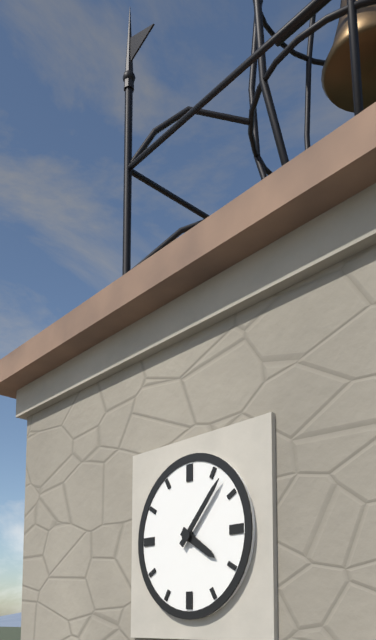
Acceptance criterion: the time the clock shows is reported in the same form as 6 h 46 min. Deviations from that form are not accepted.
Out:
4 h 07 min
